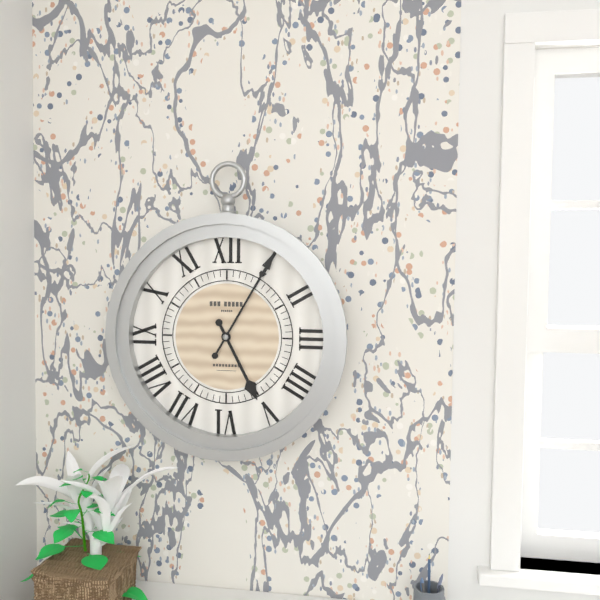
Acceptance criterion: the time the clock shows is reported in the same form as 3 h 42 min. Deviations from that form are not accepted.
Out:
5 h 05 min
